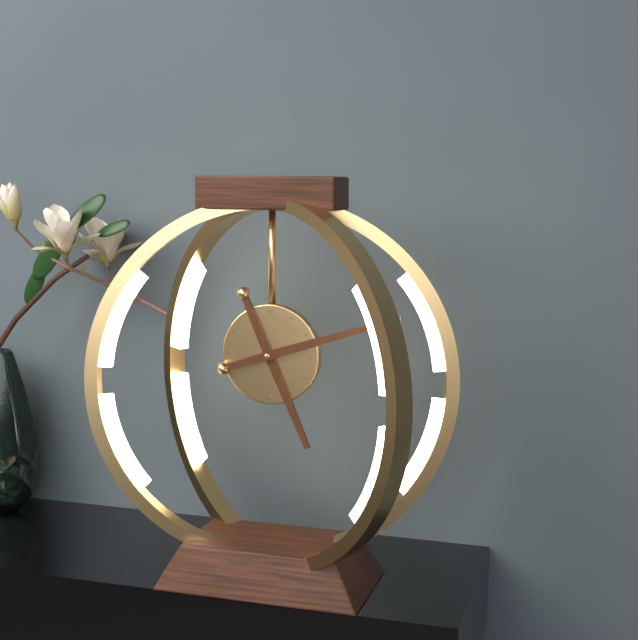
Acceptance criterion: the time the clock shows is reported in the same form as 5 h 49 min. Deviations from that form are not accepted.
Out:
5 h 12 min
